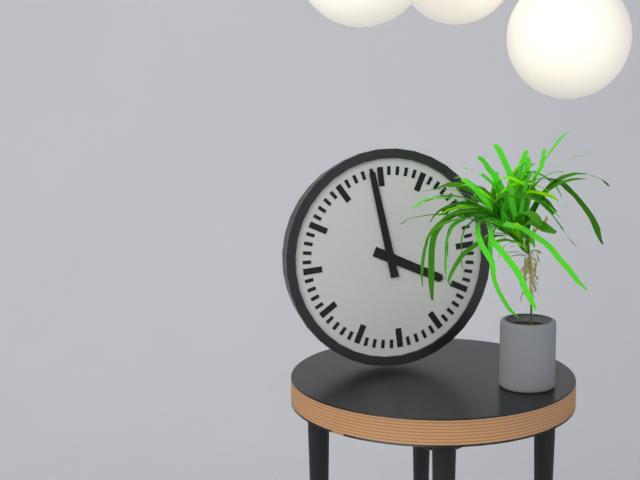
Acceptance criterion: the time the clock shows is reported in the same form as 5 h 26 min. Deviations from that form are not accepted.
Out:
3 h 59 min
